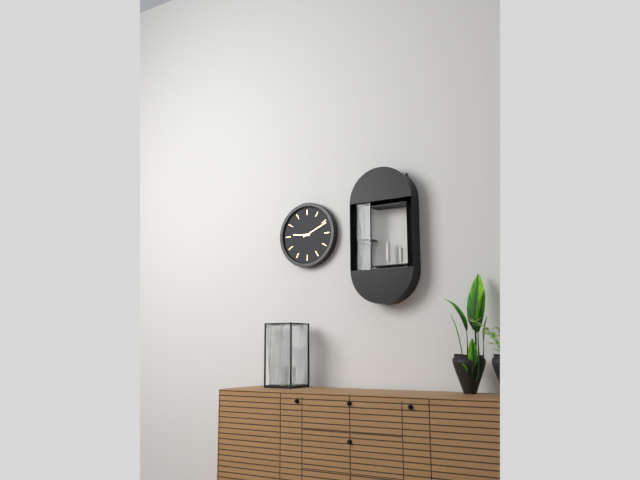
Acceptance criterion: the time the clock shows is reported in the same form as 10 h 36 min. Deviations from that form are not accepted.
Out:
9 h 11 min
